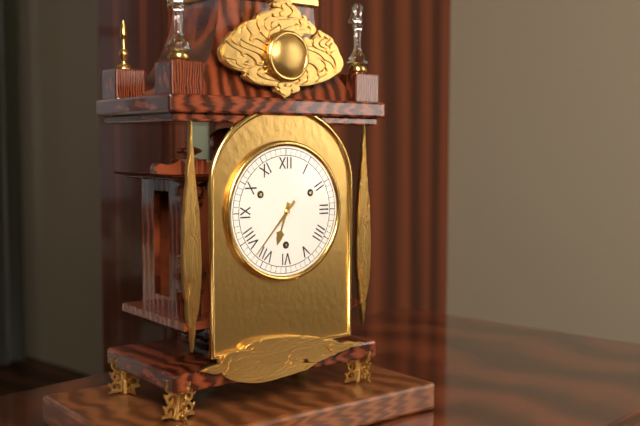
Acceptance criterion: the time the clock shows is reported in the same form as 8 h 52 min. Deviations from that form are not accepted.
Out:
6 h 37 min
